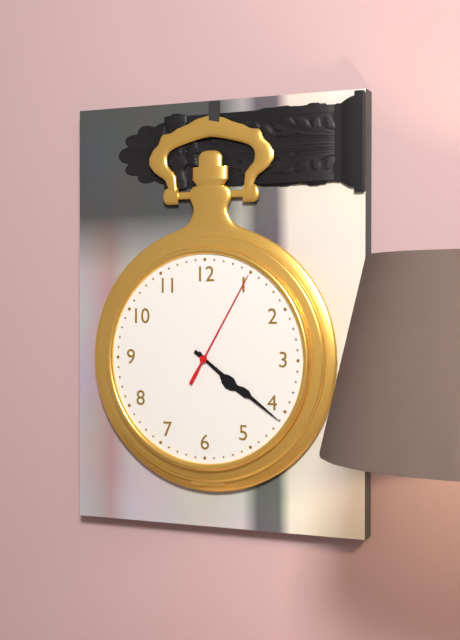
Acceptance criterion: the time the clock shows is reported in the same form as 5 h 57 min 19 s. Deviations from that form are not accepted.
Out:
4 h 21 min 05 s
